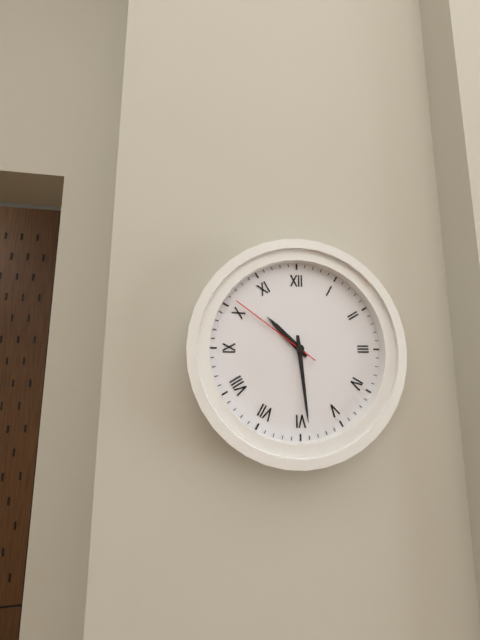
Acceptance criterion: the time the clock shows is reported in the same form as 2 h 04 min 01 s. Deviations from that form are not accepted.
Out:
10 h 29 min 51 s
